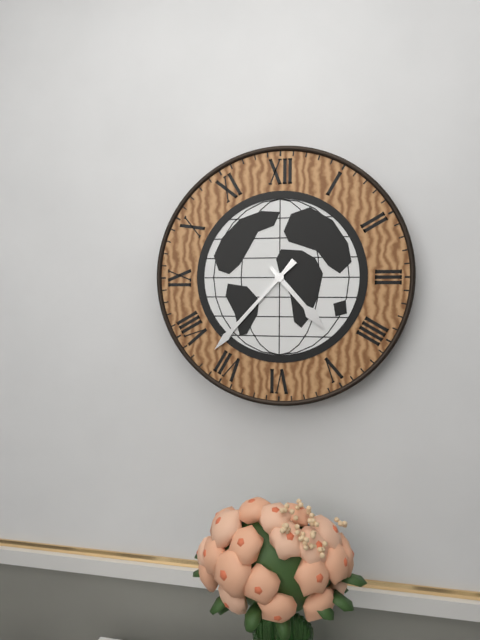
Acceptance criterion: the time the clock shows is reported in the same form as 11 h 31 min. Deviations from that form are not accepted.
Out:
4 h 37 min
